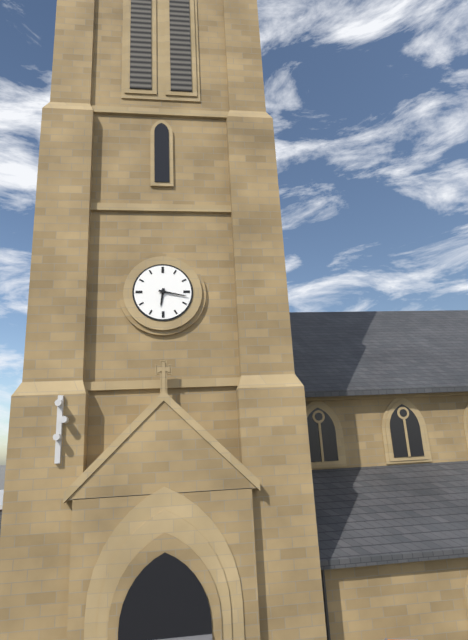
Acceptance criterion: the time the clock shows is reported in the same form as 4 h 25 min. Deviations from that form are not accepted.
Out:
6 h 17 min
